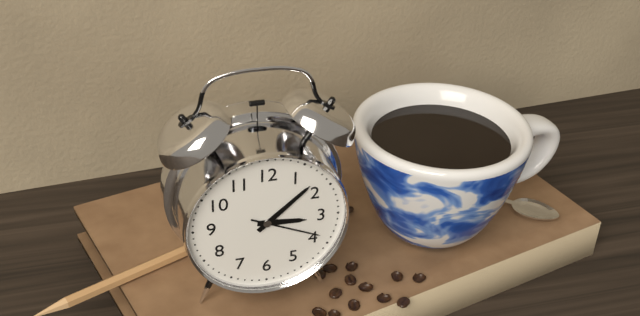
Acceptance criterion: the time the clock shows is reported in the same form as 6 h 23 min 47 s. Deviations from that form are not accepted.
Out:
3 h 08 min 19 s
